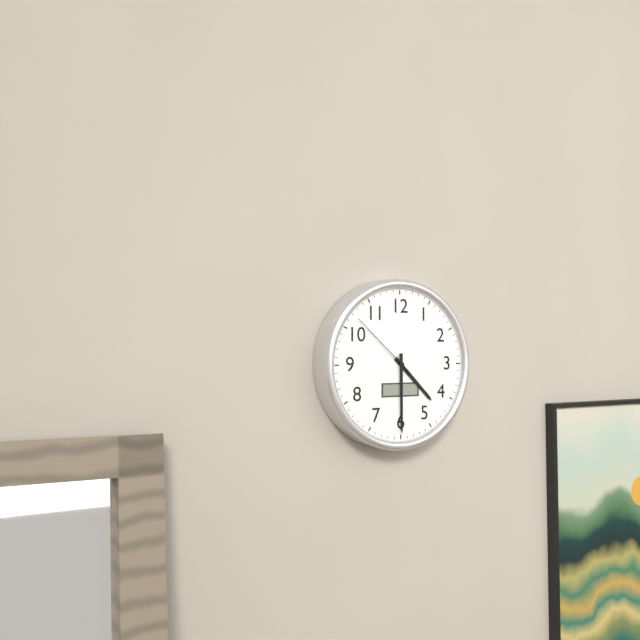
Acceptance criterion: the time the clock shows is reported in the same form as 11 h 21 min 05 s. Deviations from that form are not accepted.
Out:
4 h 30 min 52 s
